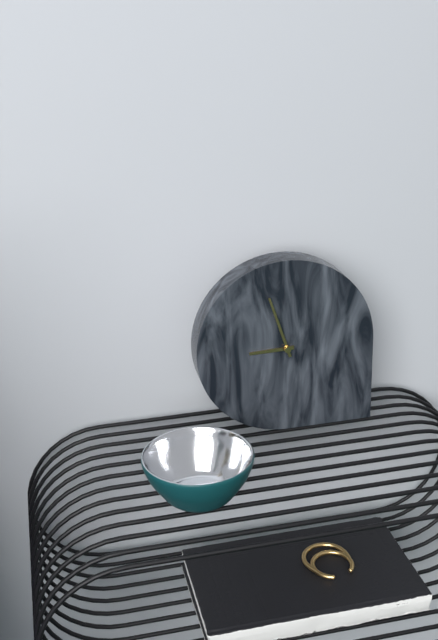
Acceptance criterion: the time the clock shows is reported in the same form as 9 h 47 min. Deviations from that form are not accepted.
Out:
8 h 57 min
